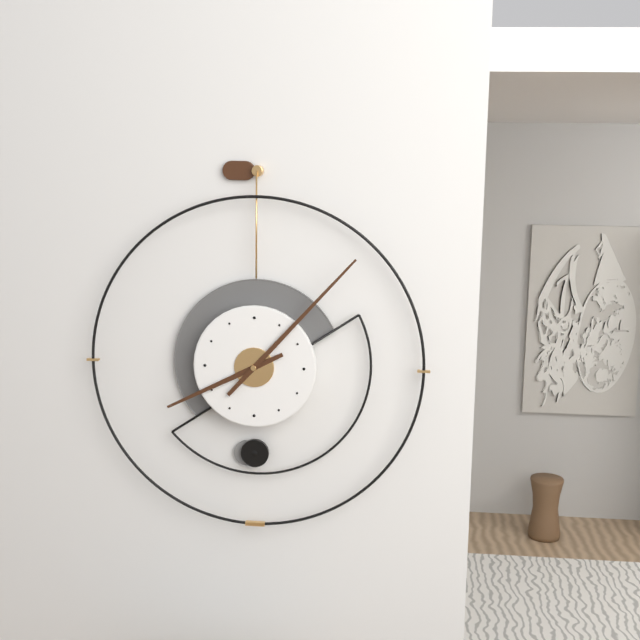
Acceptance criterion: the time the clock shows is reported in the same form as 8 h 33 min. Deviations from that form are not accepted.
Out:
8 h 07 min
